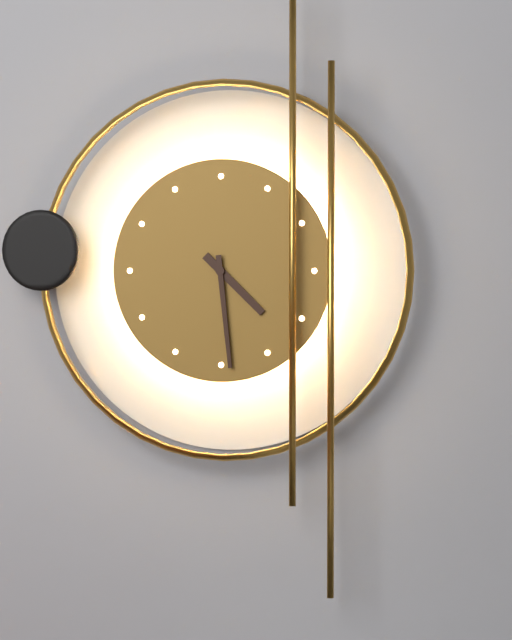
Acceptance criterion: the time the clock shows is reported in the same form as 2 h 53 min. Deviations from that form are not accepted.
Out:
4 h 29 min
